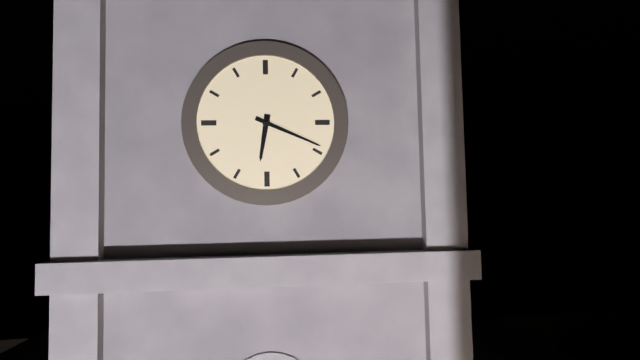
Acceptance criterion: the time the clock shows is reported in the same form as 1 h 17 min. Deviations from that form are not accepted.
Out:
6 h 19 min
